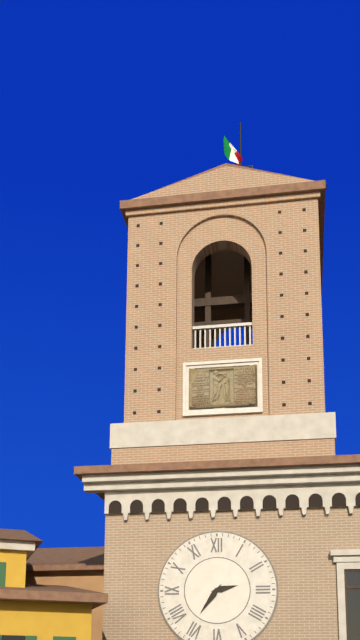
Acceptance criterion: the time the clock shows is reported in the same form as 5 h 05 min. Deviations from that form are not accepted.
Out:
2 h 36 min
